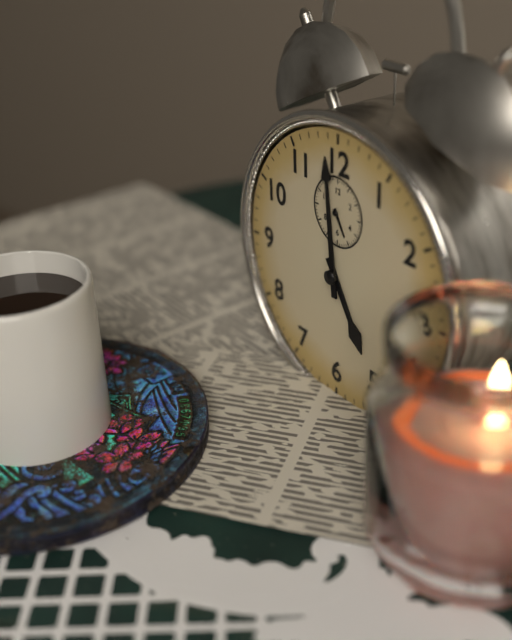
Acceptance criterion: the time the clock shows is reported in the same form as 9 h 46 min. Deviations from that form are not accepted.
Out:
4 h 59 min
